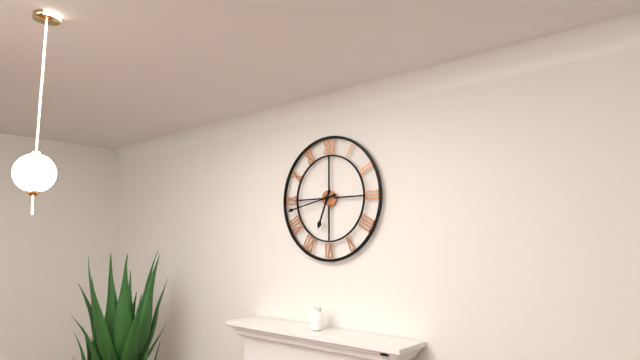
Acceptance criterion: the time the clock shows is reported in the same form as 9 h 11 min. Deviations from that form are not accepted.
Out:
6 h 43 min
